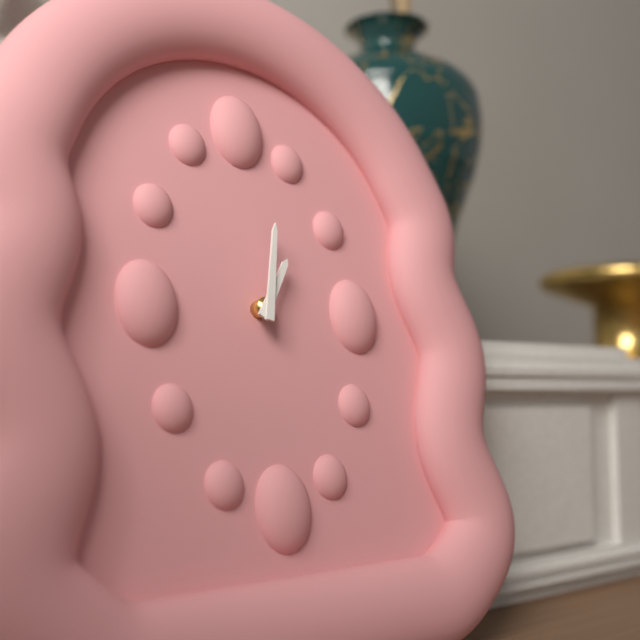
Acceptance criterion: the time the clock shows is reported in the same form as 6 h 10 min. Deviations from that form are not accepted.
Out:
1 h 02 min
